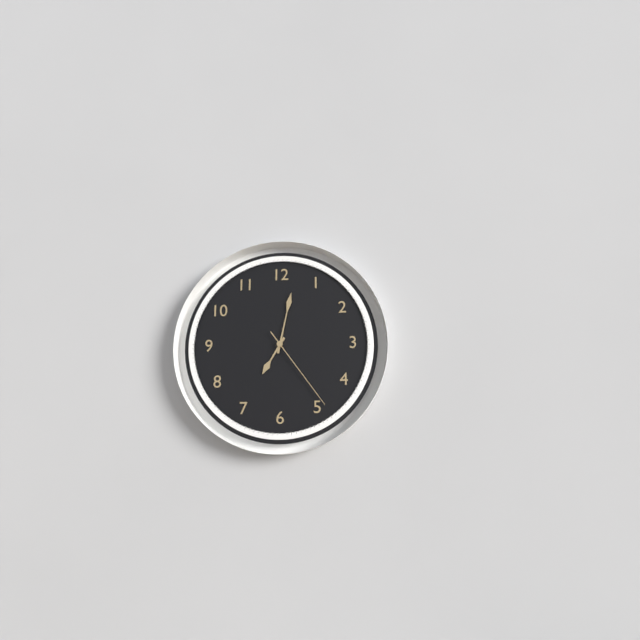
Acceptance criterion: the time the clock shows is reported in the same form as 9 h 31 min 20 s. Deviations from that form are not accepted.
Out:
7 h 02 min 24 s
